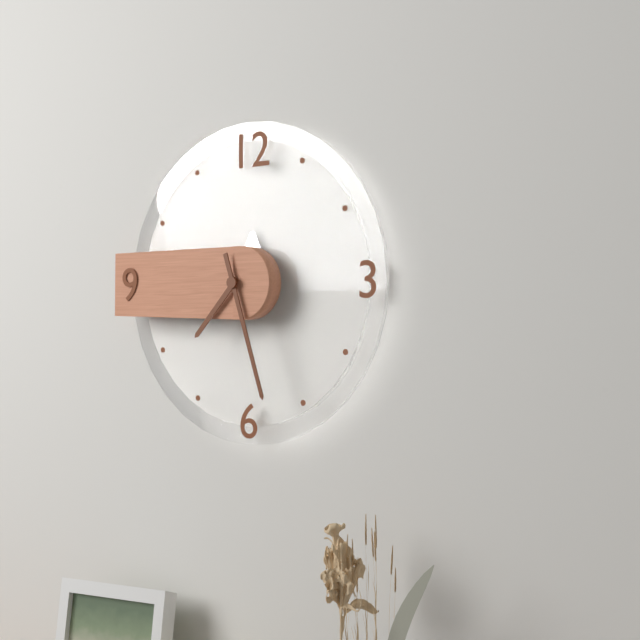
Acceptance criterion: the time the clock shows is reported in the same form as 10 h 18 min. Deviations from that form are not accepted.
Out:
7 h 27 min
